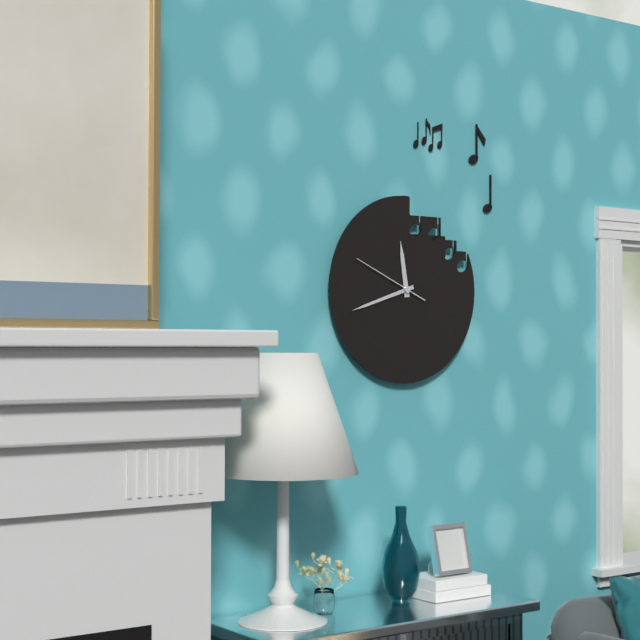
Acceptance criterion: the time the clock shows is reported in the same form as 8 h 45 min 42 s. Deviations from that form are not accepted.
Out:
11 h 42 min 49 s
